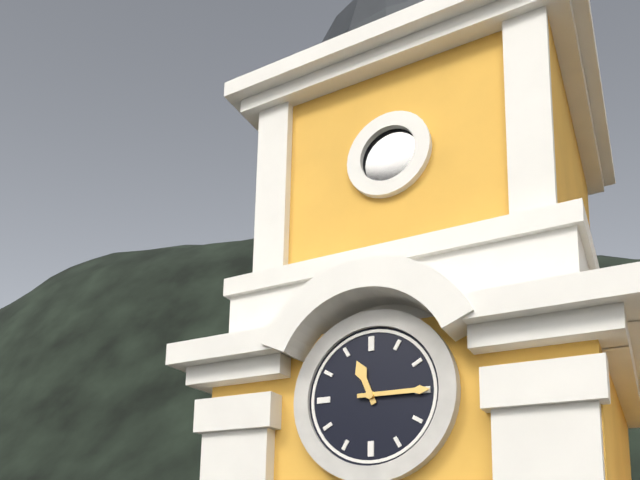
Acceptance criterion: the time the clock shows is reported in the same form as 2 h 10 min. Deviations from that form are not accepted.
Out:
11 h 15 min
